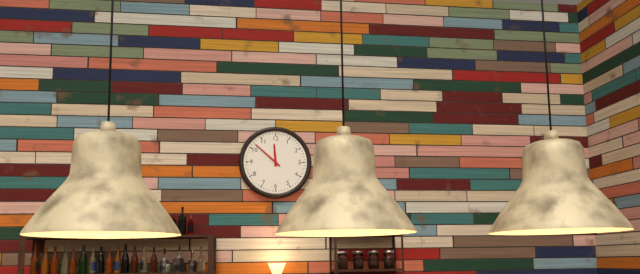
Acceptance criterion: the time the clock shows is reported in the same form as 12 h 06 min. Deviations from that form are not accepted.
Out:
11 h 52 min
